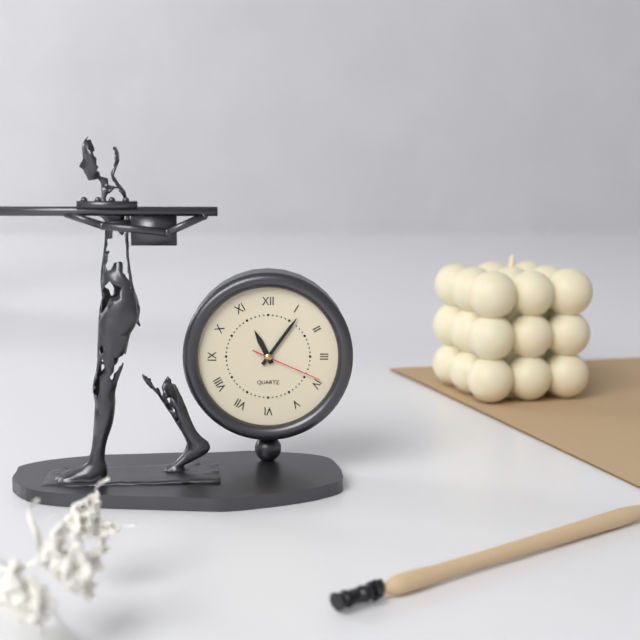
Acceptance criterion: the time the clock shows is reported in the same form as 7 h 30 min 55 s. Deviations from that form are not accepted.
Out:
11 h 06 min 19 s
